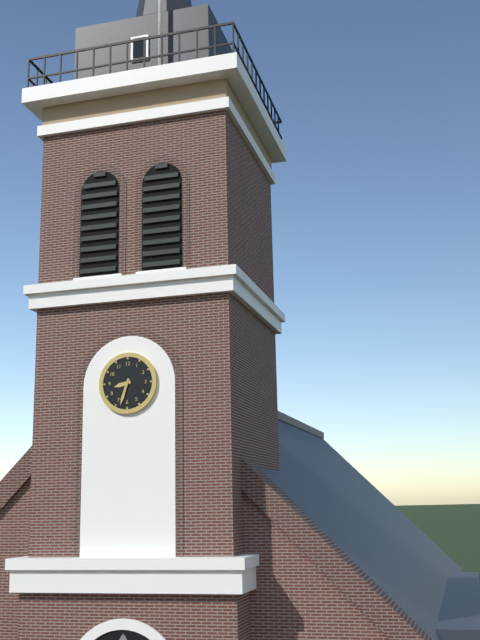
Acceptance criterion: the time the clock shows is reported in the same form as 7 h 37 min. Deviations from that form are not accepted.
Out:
8 h 33 min
